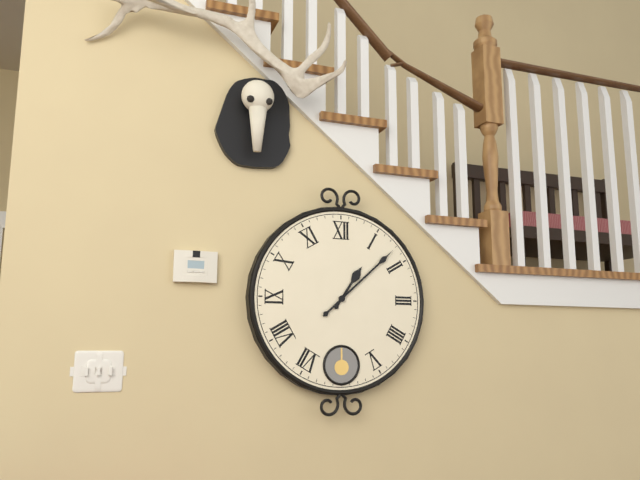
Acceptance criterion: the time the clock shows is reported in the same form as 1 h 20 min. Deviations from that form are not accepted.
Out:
1 h 08 min
